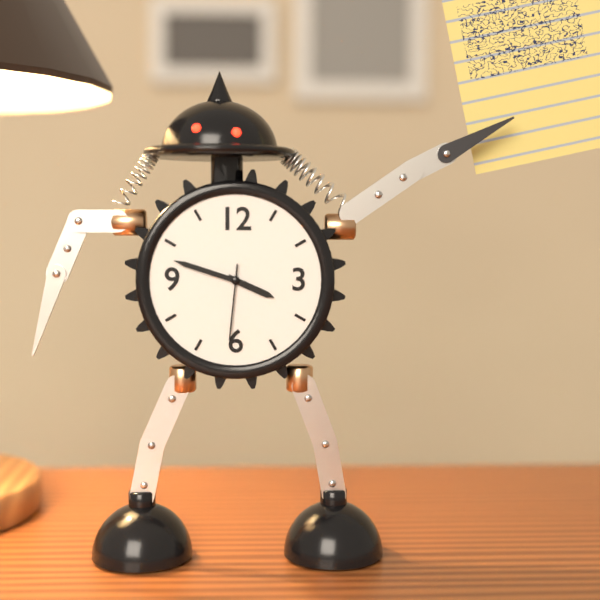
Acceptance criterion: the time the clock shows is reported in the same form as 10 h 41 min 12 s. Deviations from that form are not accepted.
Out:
3 h 48 min 31 s
